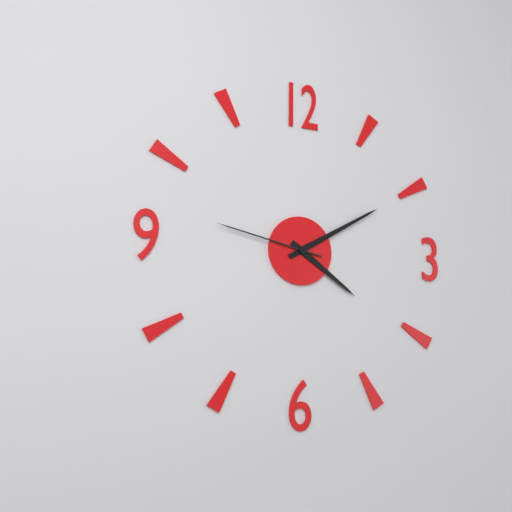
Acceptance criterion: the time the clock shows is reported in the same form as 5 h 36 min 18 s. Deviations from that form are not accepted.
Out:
4 h 10 min 47 s
